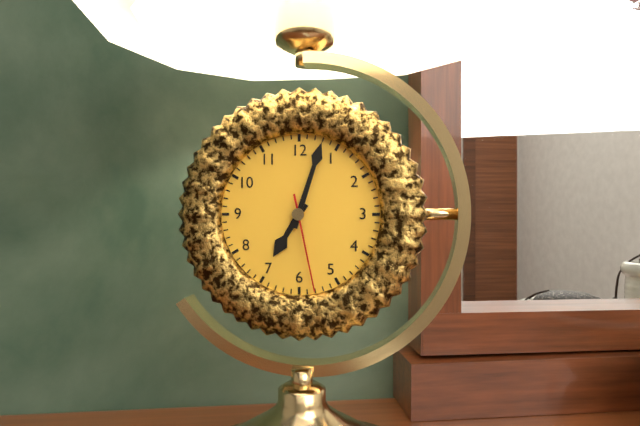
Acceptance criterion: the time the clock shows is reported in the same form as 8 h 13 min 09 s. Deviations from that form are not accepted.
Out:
7 h 03 min 28 s
